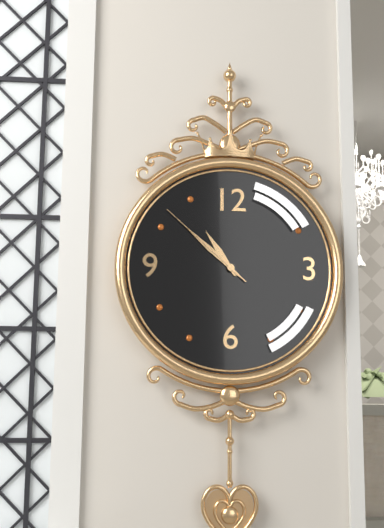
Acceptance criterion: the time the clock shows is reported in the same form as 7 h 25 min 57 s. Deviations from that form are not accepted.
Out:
10 h 52 min 52 s
